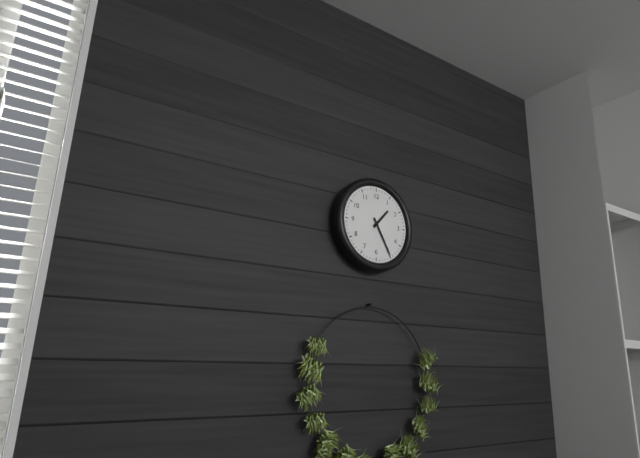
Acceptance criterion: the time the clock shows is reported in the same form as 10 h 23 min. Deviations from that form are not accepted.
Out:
1 h 25 min
